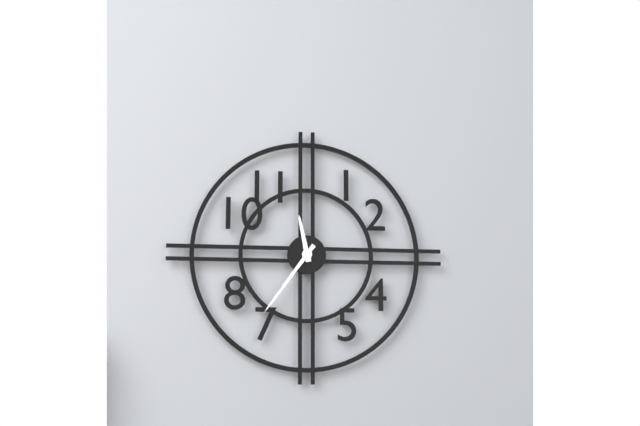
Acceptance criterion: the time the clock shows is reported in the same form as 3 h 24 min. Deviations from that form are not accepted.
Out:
11 h 36 min
